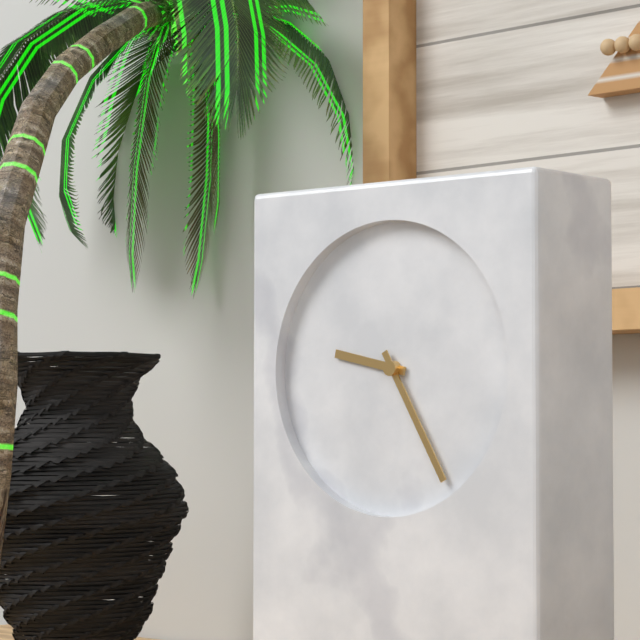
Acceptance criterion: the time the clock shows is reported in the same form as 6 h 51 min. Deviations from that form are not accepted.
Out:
9 h 25 min
